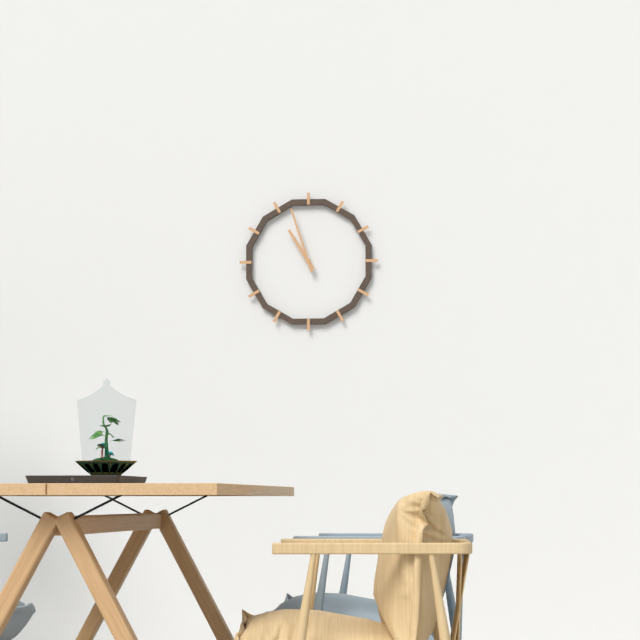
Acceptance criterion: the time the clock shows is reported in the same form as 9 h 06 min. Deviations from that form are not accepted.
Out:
10 h 57 min
